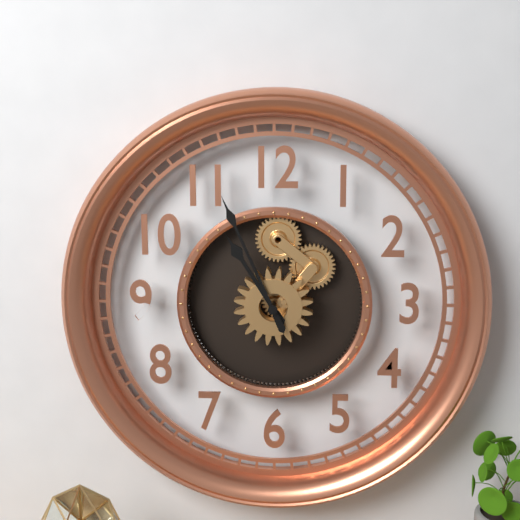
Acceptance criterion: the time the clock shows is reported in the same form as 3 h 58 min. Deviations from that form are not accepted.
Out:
10 h 56 min
